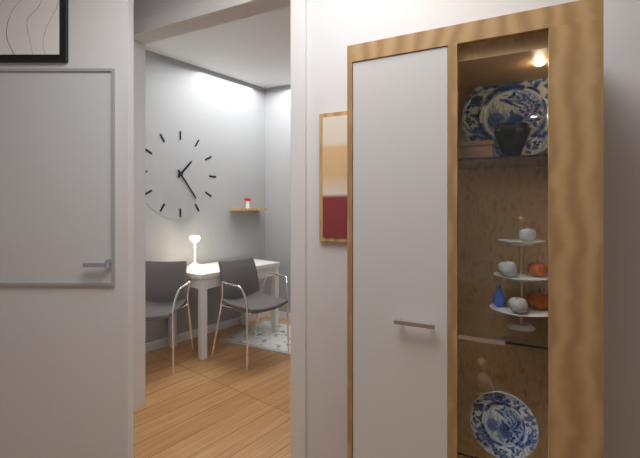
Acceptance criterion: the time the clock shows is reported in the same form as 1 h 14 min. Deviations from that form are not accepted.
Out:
1 h 24 min
